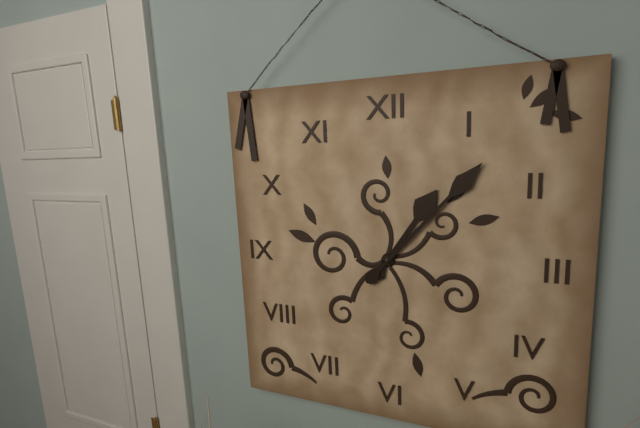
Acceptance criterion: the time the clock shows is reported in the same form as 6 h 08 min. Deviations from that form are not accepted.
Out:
1 h 07 min
